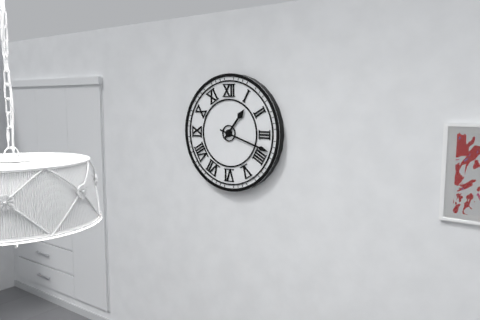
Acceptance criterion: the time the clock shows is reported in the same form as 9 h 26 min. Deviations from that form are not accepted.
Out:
1 h 18 min
